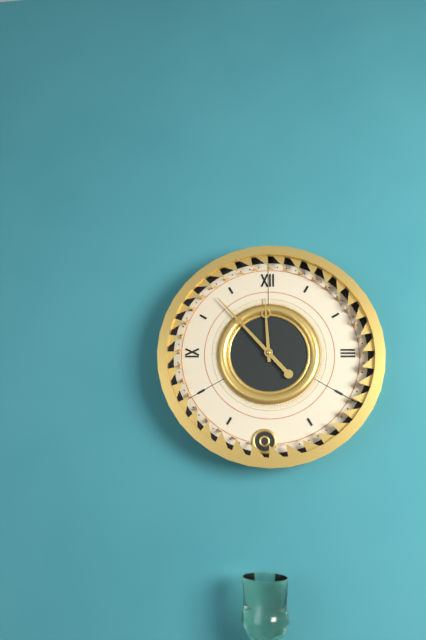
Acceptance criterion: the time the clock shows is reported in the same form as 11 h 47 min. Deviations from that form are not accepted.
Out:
11 h 53 min
